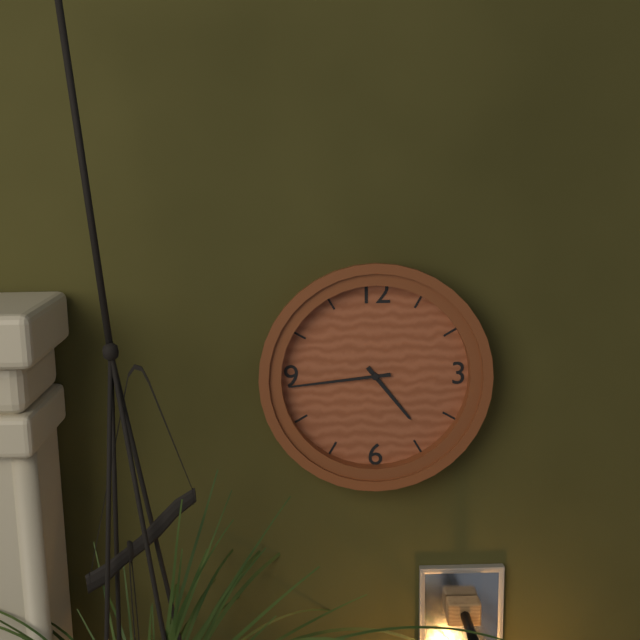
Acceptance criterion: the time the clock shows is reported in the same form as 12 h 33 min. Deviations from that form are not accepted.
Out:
4 h 44 min
